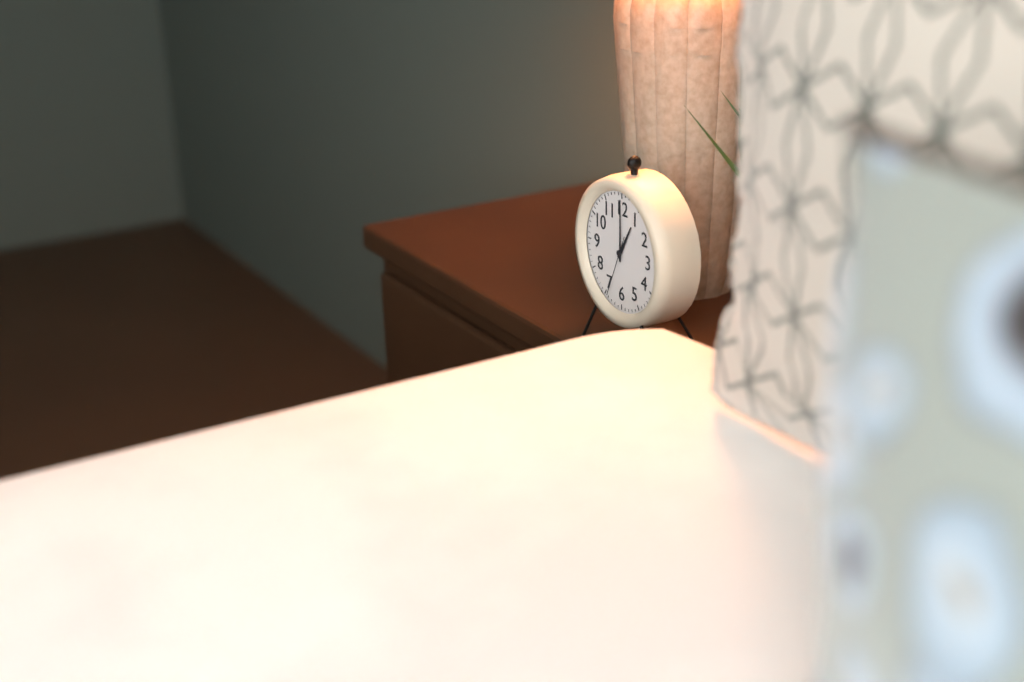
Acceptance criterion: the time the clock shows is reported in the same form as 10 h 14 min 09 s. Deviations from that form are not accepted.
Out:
1 h 00 min 34 s
